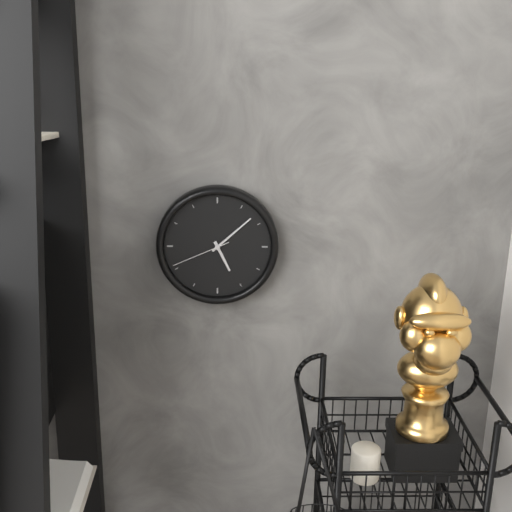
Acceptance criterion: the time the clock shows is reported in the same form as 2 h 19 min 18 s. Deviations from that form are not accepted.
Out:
5 h 08 min 41 s
